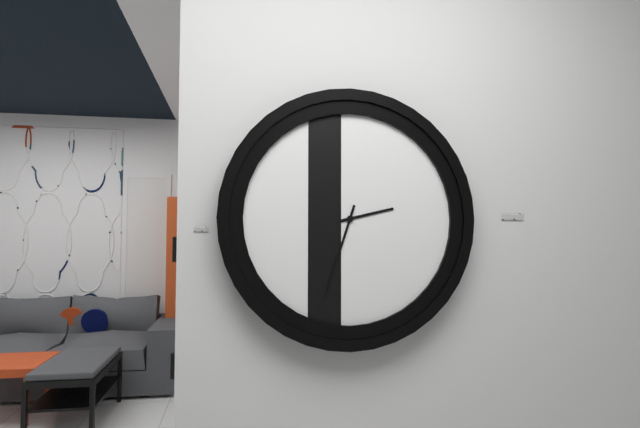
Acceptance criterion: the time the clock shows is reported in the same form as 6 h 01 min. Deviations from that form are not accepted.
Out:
2 h 33 min
